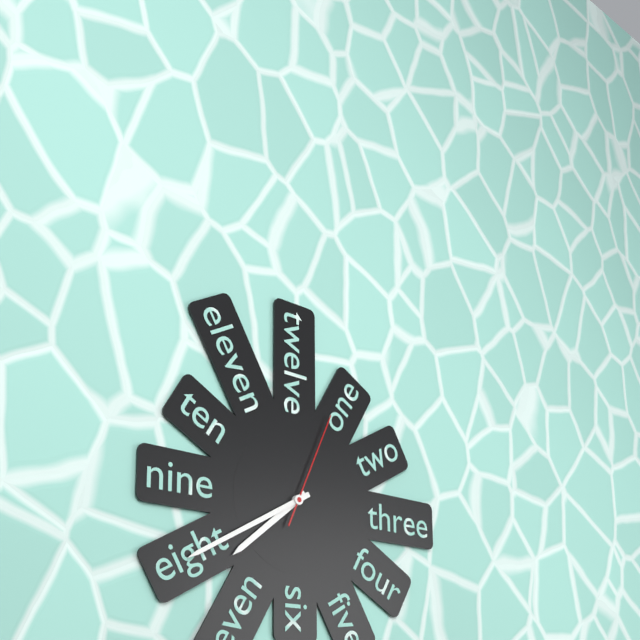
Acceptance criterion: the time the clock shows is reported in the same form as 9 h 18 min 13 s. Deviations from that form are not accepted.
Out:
7 h 40 min 04 s
